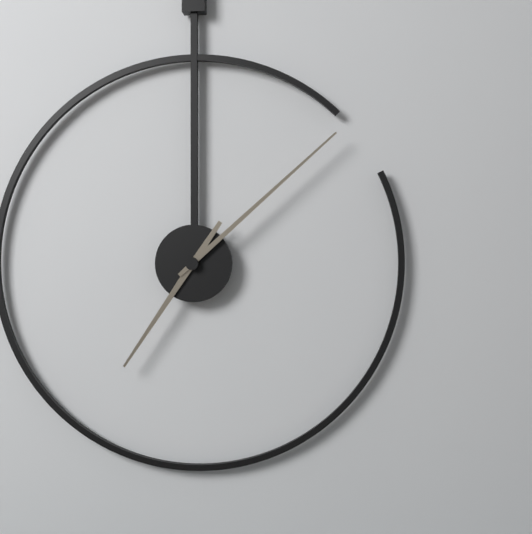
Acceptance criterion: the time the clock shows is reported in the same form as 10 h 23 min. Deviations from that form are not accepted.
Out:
7 h 08 min
